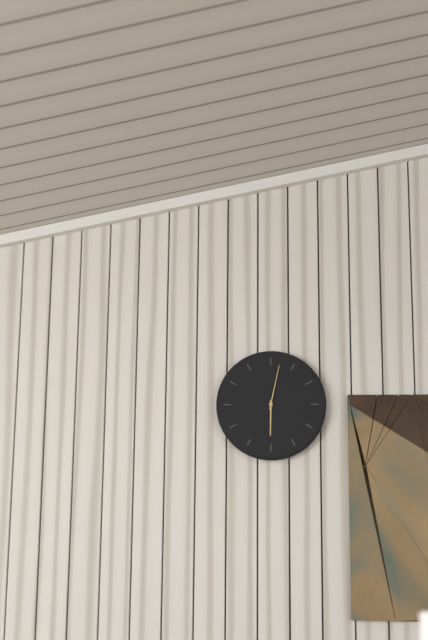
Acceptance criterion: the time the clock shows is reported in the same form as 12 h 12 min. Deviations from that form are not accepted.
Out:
6 h 02 min
